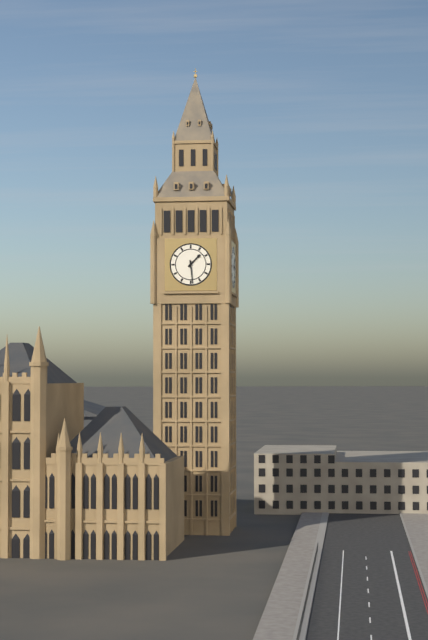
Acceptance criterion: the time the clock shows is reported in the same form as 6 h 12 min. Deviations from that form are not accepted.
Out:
1 h 29 min
